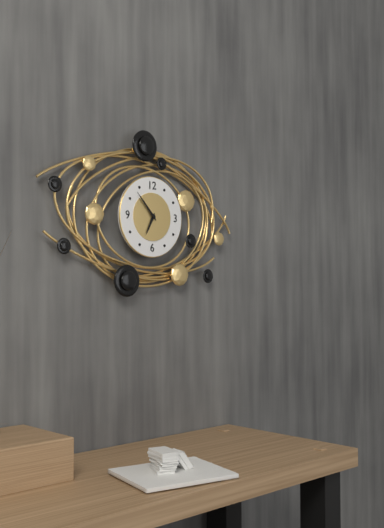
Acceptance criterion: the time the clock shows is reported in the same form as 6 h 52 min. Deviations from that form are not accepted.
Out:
6 h 53 min
